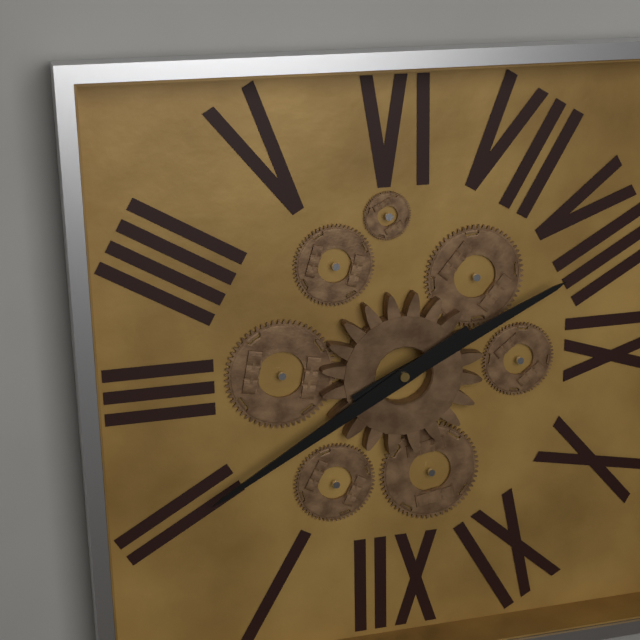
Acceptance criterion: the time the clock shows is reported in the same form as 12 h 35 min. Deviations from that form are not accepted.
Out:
8 h 10 min
